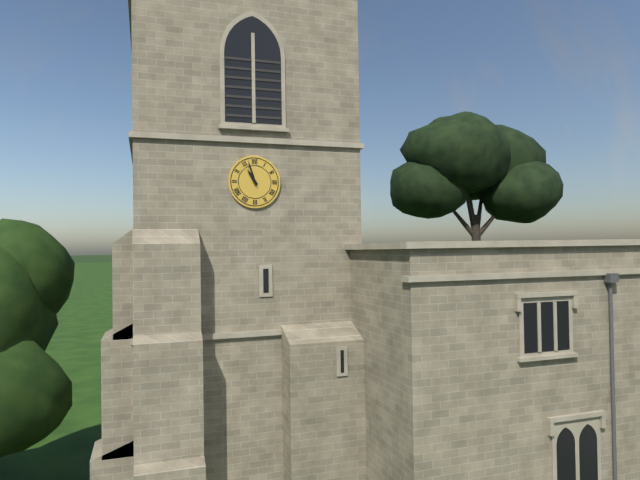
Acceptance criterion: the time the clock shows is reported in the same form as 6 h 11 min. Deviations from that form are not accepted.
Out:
10 h 57 min
